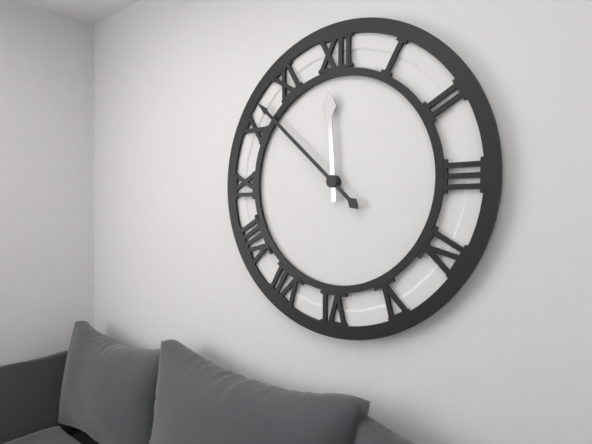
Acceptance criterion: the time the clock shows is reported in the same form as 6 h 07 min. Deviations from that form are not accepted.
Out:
11 h 52 min
